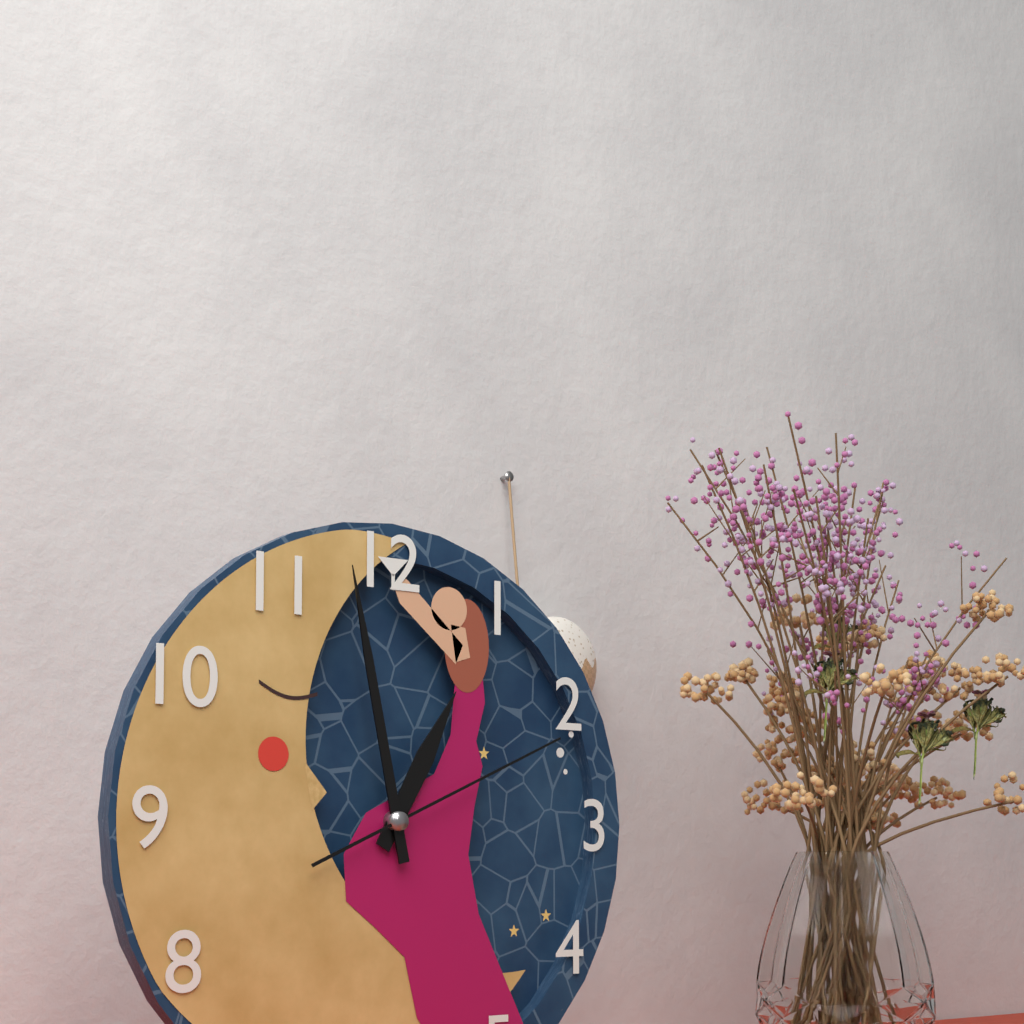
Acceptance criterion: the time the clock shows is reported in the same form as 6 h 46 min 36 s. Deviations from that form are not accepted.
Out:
12 h 58 min 11 s
